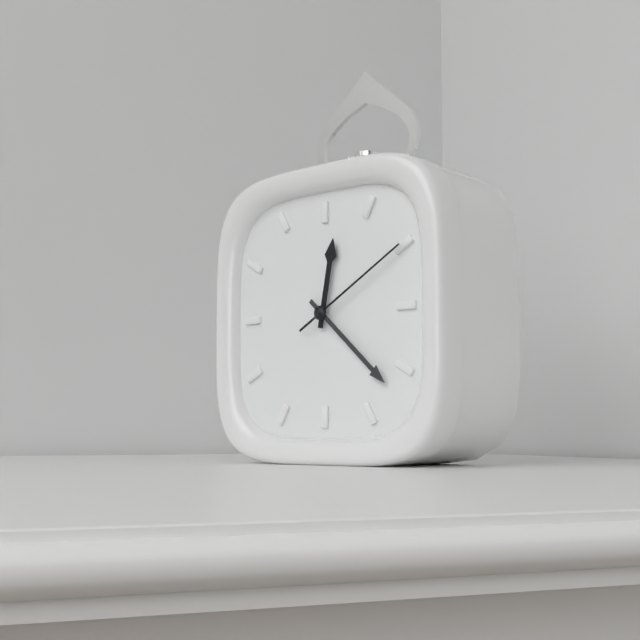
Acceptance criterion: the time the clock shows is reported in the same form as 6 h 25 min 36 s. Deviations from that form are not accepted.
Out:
12 h 22 min 10 s
